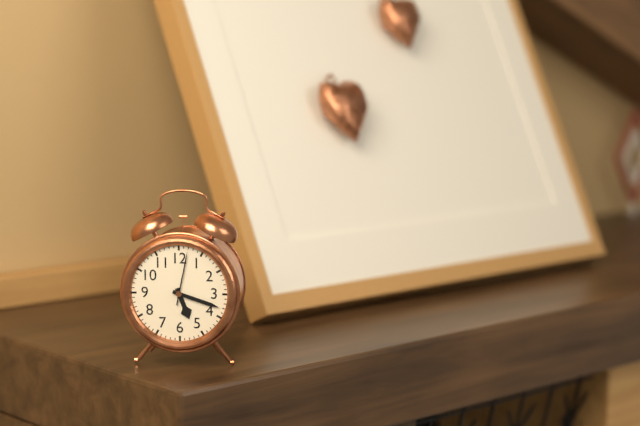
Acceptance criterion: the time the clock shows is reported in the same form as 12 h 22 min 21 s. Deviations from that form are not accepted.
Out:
5 h 18 min 02 s
